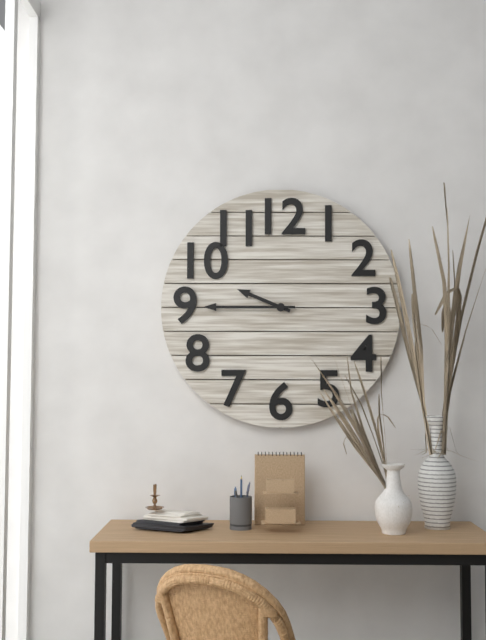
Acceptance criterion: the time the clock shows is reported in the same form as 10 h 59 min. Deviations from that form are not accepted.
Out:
9 h 45 min
